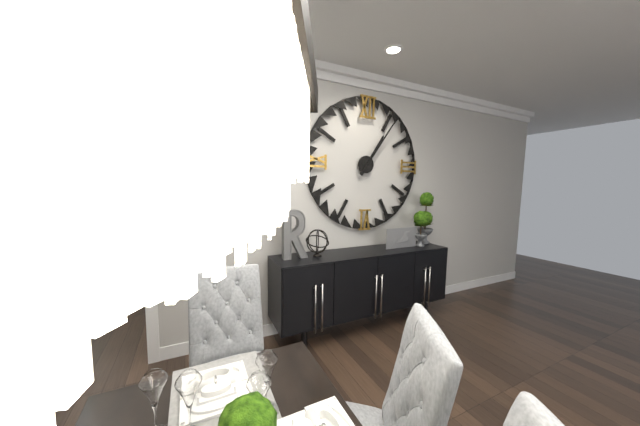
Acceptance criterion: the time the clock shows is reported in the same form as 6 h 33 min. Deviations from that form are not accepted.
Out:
1 h 06 min
